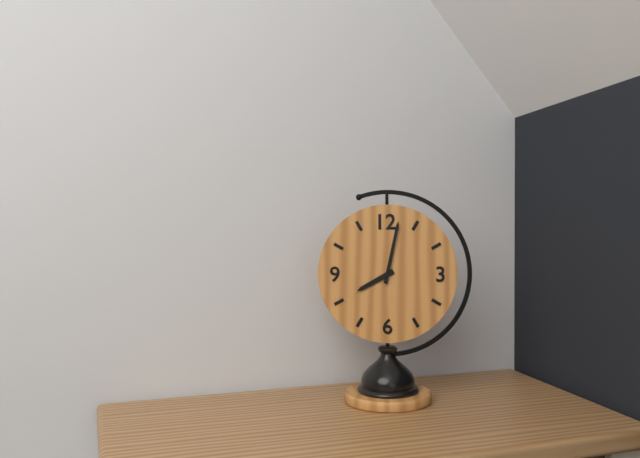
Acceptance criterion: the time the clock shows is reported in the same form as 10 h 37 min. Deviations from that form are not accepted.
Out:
8 h 02 min
